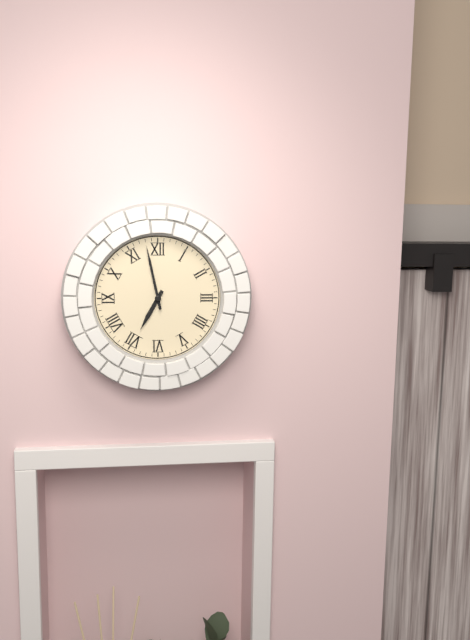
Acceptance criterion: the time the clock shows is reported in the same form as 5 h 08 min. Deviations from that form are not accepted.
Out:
6 h 58 min
